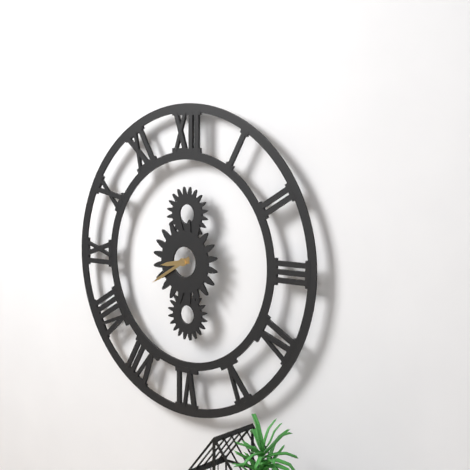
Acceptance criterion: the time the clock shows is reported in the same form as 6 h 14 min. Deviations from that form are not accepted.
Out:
8 h 40 min
